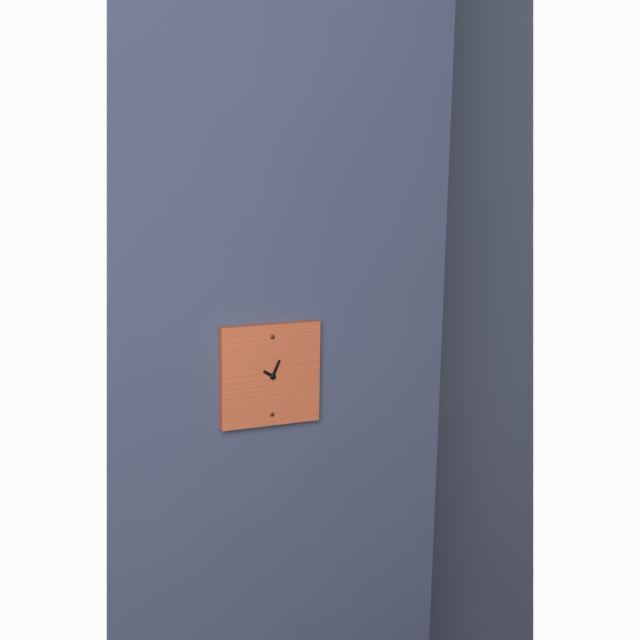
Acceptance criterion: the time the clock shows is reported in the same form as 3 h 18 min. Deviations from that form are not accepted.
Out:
10 h 04 min
